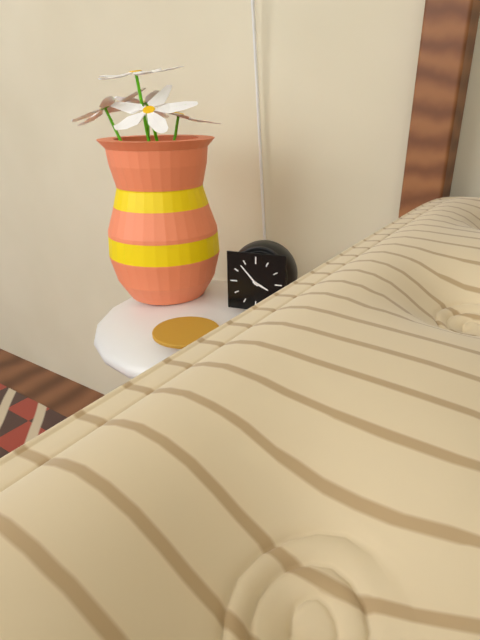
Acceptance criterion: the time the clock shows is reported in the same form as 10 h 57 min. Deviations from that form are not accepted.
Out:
3 h 53 min
